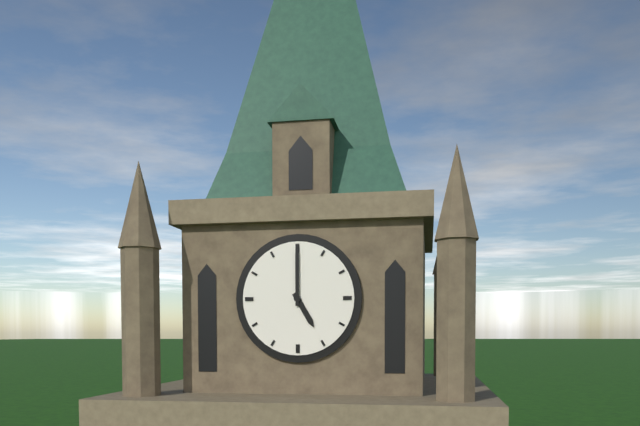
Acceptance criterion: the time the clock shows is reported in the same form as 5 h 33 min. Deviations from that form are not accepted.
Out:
5 h 00 min
